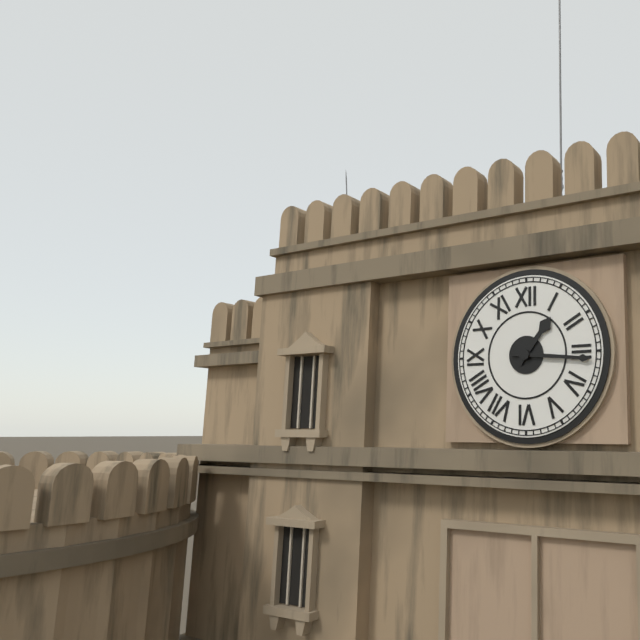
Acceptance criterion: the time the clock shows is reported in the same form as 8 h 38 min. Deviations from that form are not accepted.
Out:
1 h 16 min
